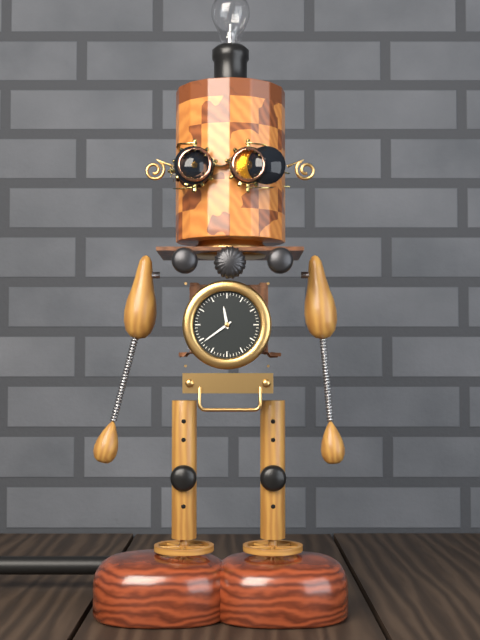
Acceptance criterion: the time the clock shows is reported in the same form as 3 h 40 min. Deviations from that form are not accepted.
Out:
11 h 39 min
